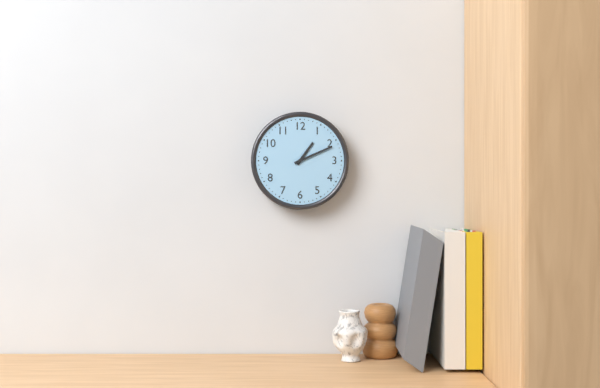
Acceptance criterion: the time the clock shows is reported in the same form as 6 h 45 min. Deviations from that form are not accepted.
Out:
1 h 11 min
